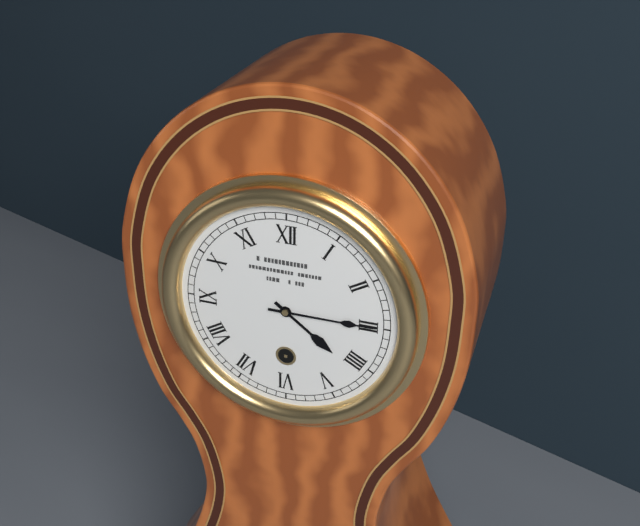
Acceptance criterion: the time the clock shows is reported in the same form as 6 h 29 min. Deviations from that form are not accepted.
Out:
4 h 15 min
